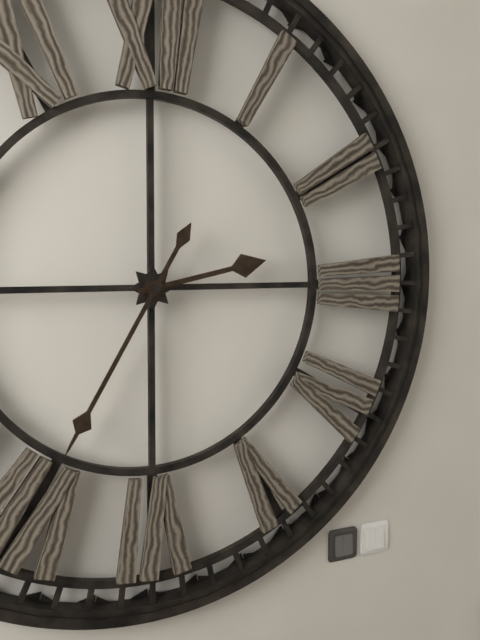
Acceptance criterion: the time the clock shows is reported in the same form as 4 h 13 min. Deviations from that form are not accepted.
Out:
2 h 35 min
